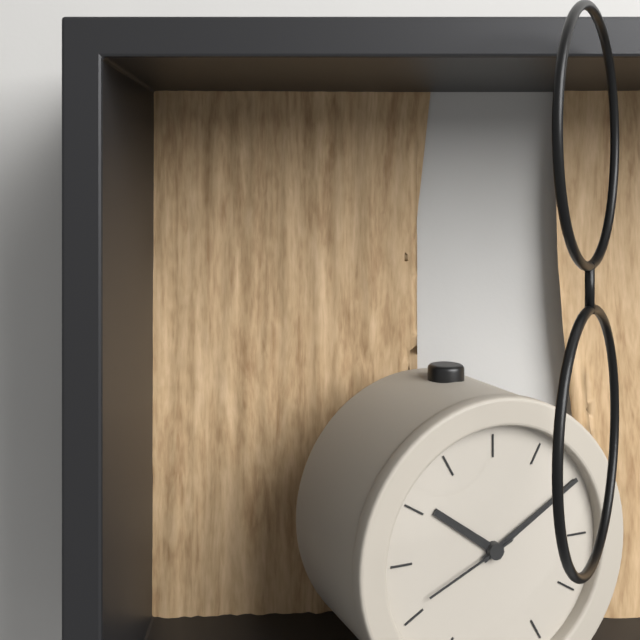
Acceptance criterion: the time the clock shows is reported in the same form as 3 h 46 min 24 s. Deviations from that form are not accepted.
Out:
10 h 10 min 41 s
